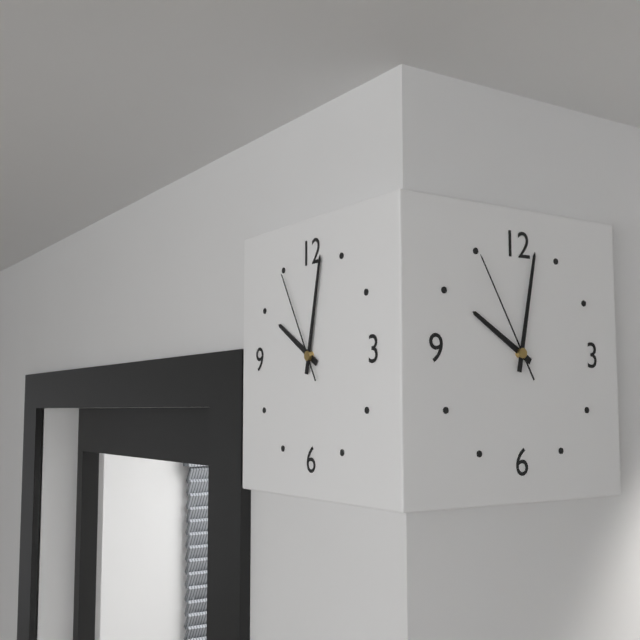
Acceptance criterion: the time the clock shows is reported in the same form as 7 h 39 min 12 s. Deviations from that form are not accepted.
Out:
10 h 02 min 55 s
